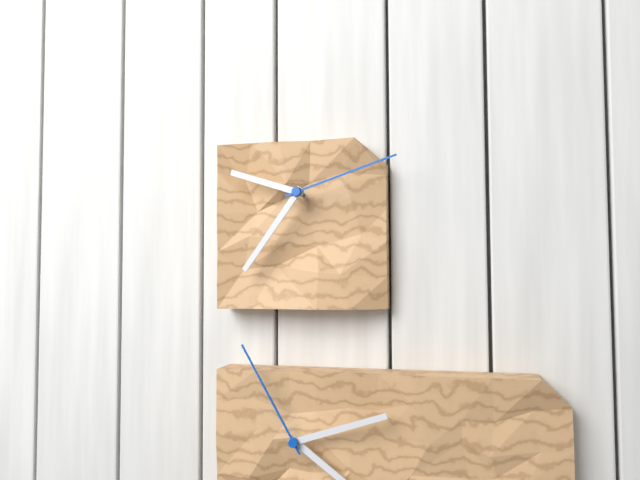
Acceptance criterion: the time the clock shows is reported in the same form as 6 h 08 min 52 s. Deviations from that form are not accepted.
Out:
9 h 36 min 12 s
